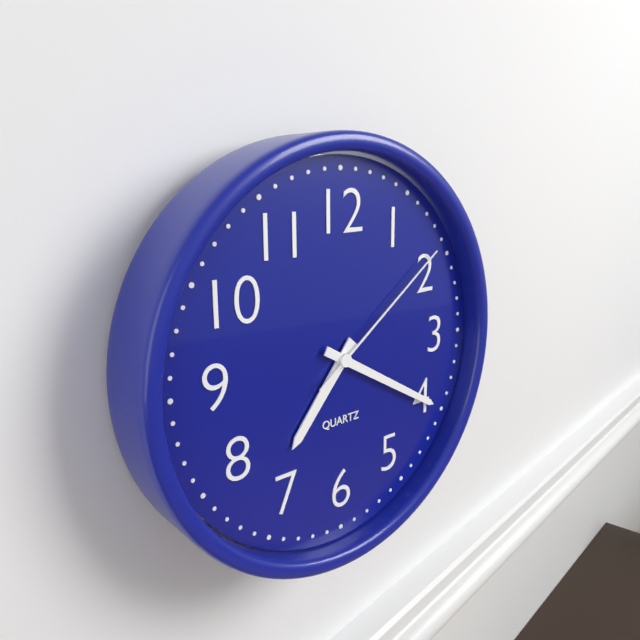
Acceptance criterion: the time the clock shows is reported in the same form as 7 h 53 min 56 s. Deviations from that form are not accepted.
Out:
7 h 20 min 09 s
